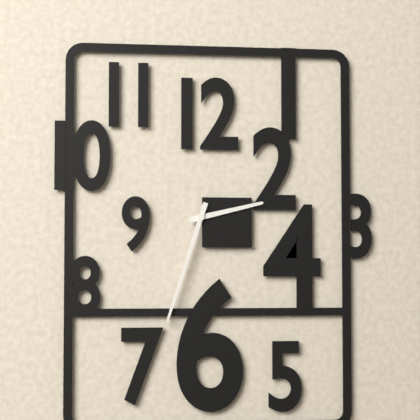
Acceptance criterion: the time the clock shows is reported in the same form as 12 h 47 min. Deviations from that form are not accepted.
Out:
2 h 33 min
